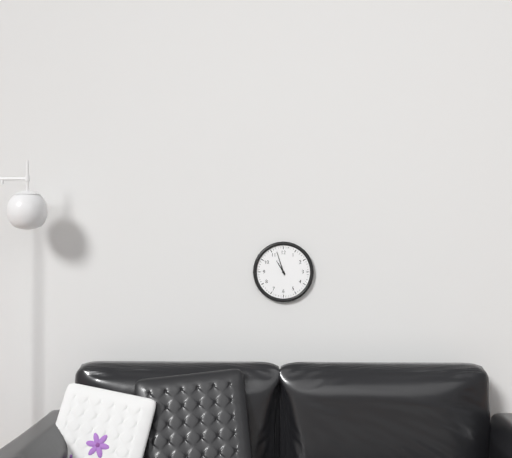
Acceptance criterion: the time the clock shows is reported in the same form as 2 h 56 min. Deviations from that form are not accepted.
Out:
10 h 57 min
